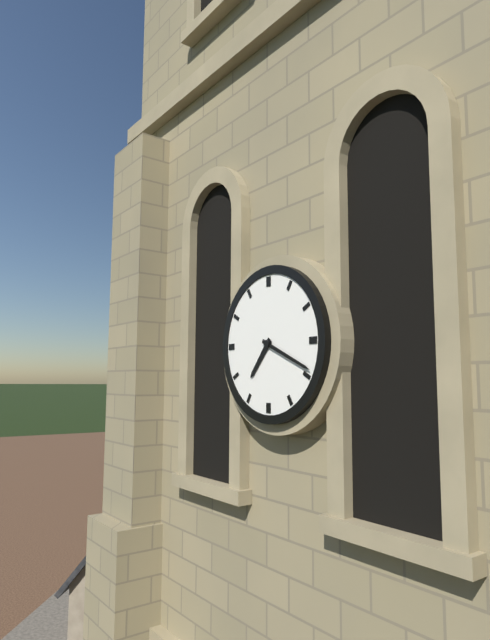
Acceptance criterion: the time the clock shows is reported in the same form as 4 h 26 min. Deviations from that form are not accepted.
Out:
7 h 19 min
